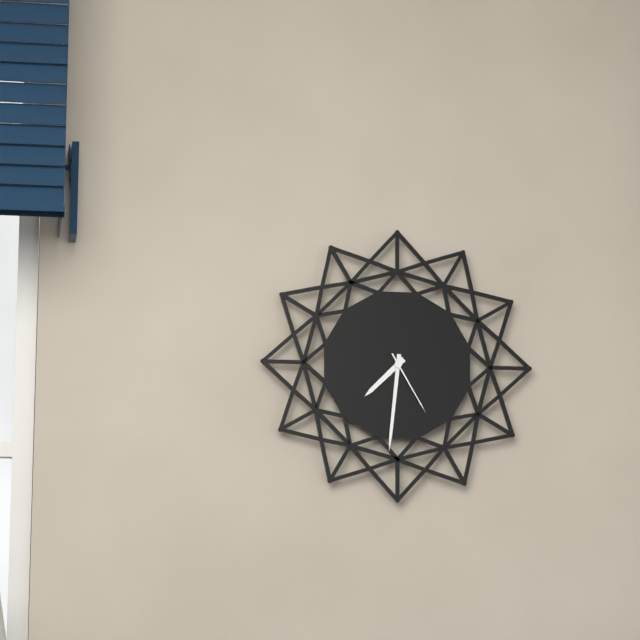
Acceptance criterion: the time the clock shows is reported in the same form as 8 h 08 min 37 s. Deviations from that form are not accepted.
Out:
7 h 31 min 25 s
